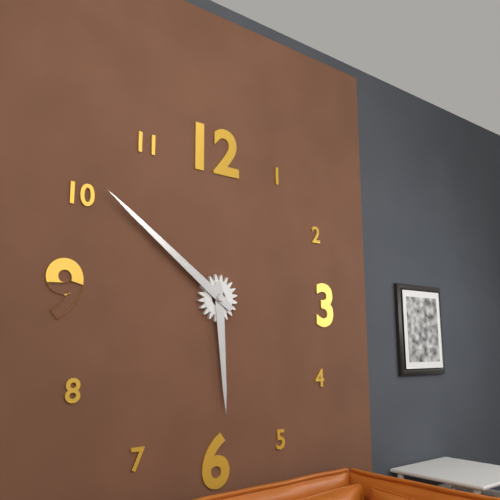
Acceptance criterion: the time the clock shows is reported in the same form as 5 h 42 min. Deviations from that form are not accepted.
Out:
5 h 51 min
